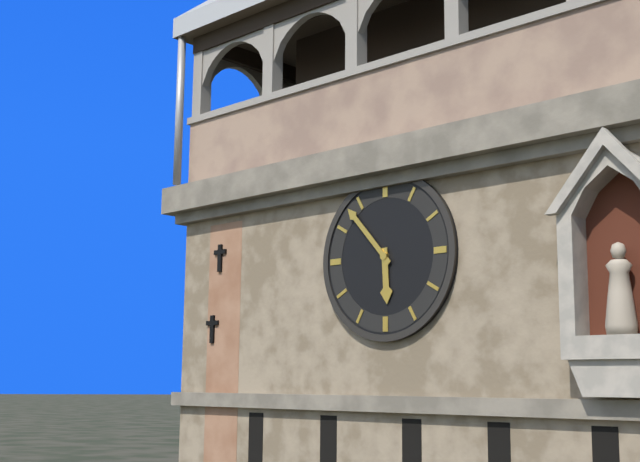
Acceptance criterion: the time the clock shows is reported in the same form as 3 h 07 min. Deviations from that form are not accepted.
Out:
5 h 53 min
